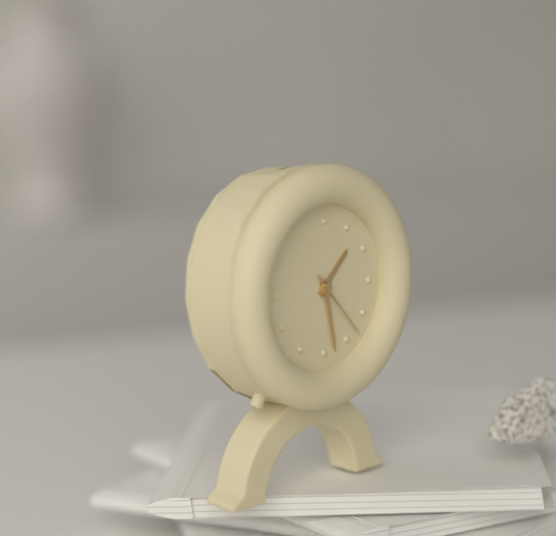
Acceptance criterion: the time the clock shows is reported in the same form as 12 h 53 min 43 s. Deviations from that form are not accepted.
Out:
1 h 28 min 23 s
